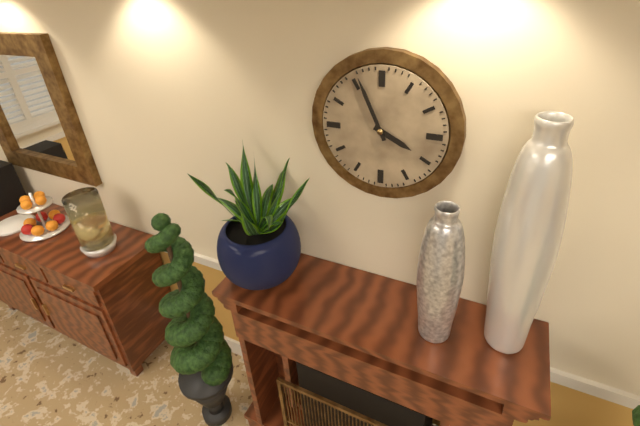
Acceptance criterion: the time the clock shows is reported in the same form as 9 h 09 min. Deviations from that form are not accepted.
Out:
3 h 56 min
